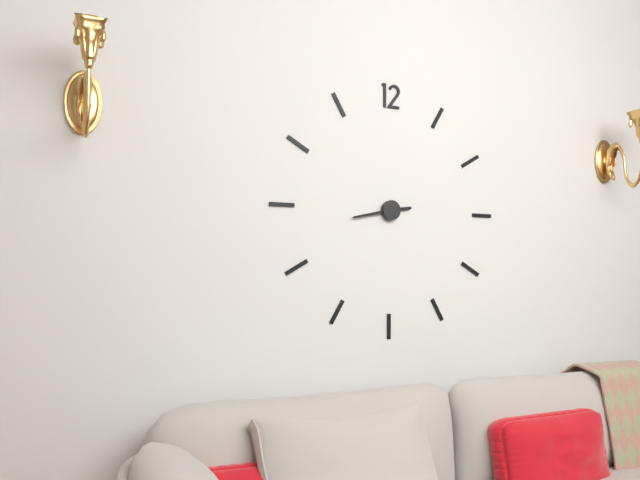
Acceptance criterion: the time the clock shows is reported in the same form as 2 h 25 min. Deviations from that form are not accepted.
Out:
2 h 43 min
